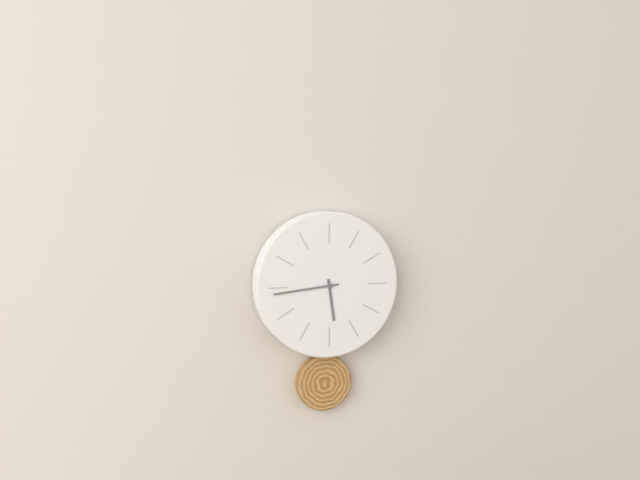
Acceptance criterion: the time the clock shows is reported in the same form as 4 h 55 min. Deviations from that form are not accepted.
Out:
5 h 44 min
